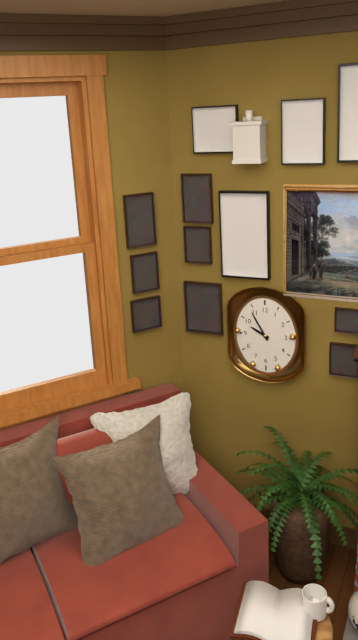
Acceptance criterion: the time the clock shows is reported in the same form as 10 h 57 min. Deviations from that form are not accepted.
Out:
9 h 55 min
